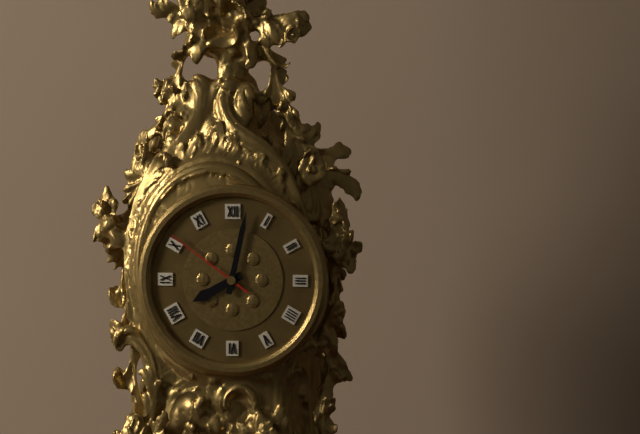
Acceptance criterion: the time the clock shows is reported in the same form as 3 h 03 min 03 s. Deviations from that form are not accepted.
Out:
8 h 02 min 51 s
